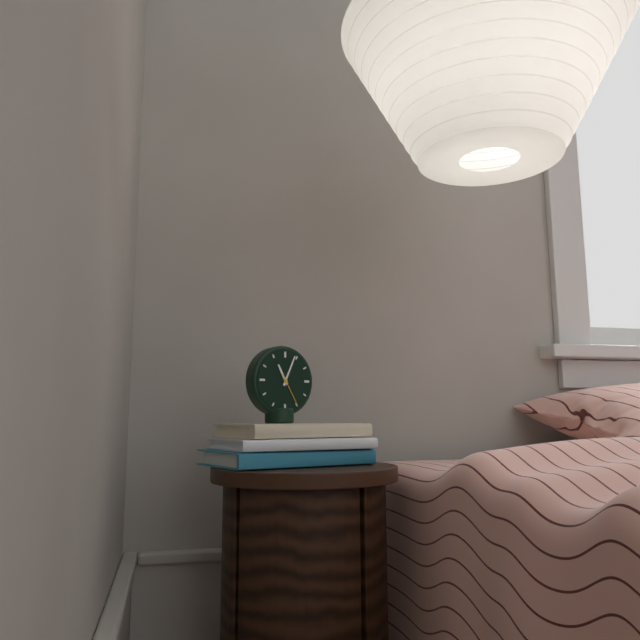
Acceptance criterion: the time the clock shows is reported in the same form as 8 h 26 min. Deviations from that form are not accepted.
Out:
11 h 04 min
